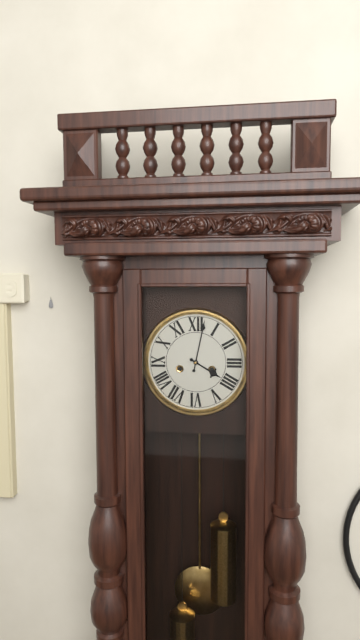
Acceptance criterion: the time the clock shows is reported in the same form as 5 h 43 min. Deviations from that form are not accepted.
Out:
4 h 02 min
